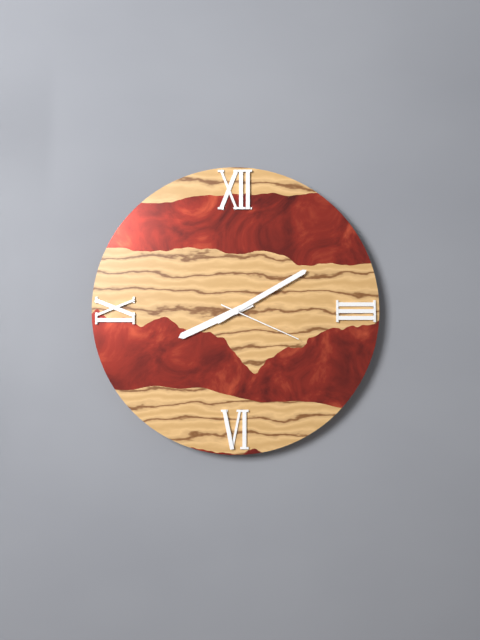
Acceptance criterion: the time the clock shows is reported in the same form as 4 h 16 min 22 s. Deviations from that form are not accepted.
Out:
8 h 10 min 19 s
